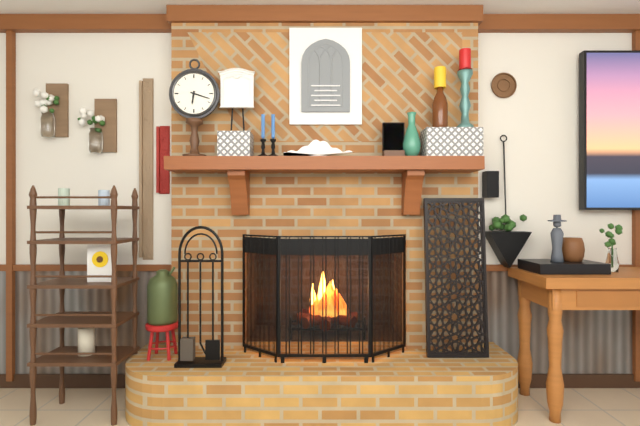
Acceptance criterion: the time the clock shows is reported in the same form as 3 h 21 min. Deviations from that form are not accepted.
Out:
6 h 18 min
